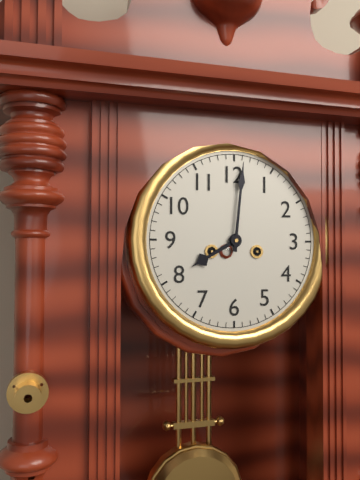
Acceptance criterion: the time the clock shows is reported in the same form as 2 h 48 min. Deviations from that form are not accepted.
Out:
8 h 01 min
